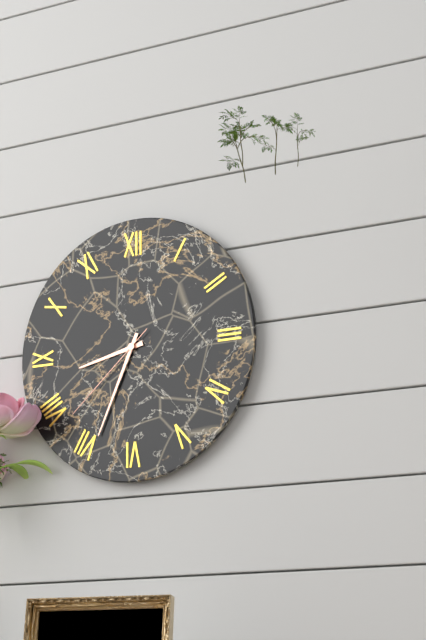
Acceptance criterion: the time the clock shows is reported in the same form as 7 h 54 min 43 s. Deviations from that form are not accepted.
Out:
8 h 34 min 38 s
